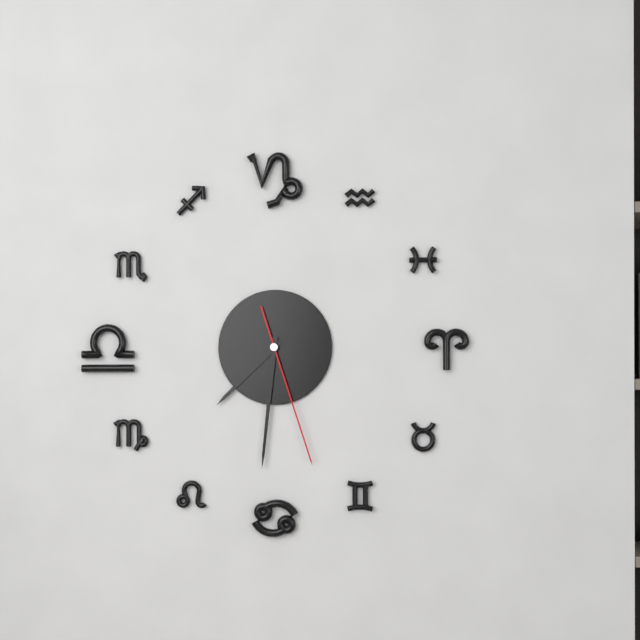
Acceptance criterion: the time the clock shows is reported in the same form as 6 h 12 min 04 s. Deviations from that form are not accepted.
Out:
7 h 31 min 27 s
